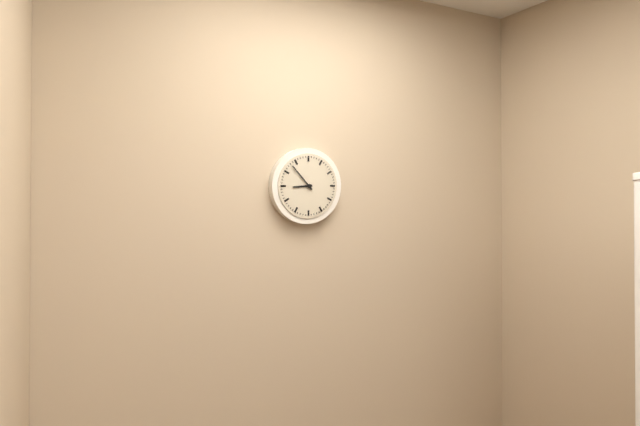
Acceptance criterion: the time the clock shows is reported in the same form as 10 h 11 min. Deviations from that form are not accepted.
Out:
8 h 53 min
